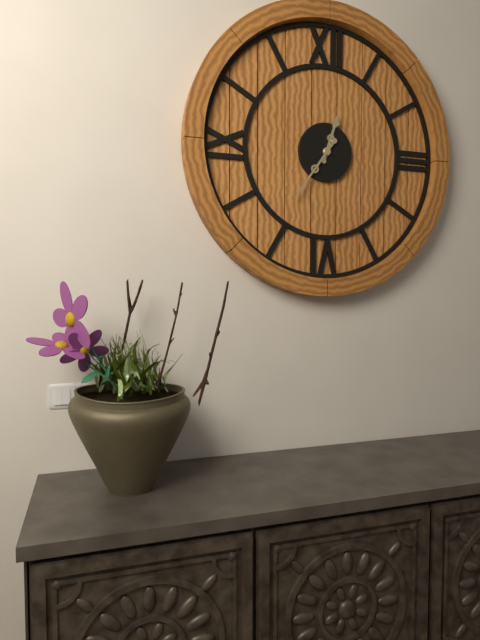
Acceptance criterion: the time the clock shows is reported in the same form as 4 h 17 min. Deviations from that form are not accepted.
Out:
12 h 36 min
